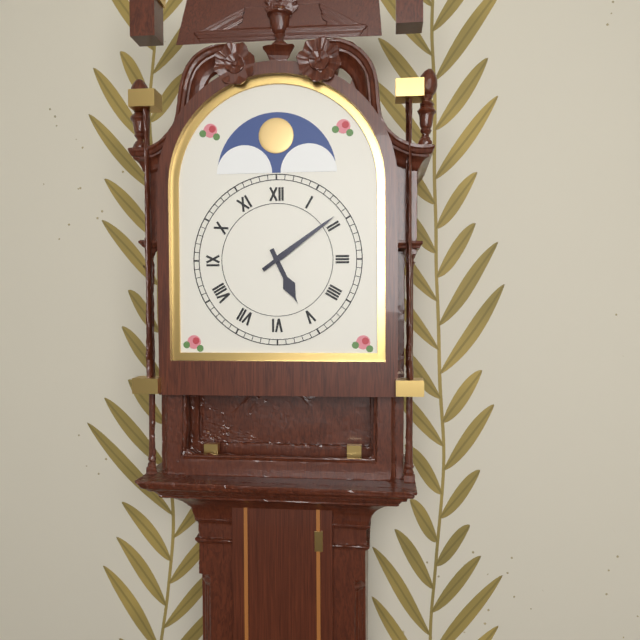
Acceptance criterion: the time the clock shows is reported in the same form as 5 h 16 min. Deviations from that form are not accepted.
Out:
5 h 09 min
